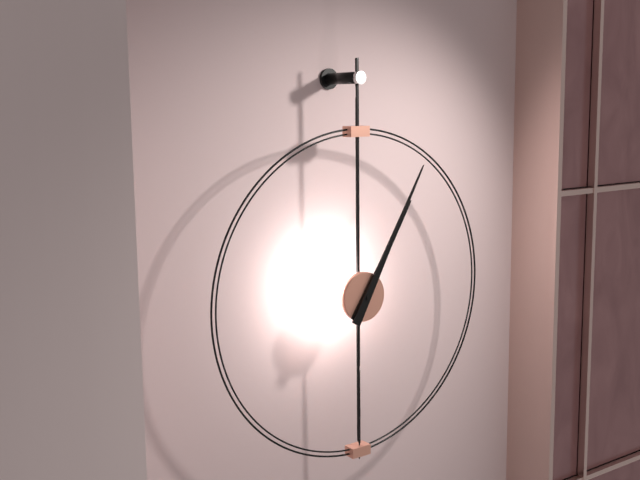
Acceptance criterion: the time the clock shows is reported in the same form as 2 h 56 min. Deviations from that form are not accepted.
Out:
1 h 05 min
